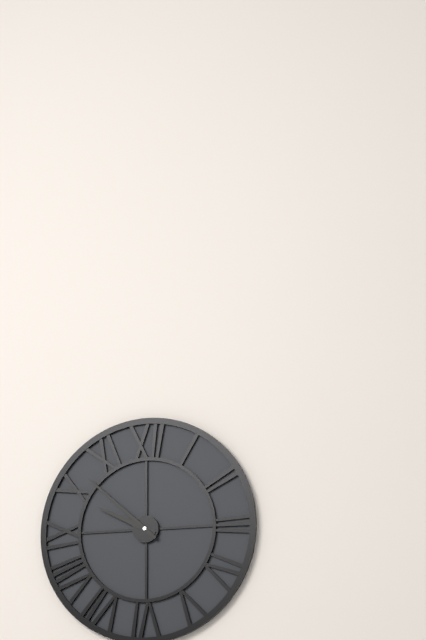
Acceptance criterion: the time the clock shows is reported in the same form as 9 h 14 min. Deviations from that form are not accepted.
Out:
9 h 52 min
